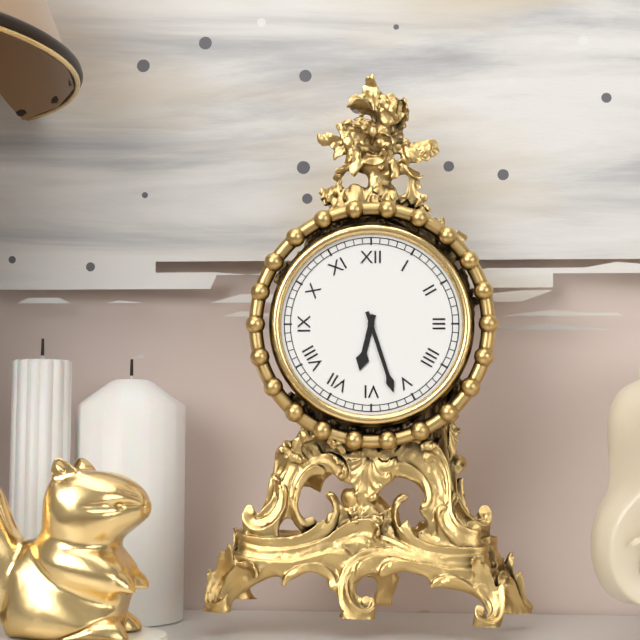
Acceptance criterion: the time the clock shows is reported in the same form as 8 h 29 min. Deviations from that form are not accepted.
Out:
6 h 27 min
